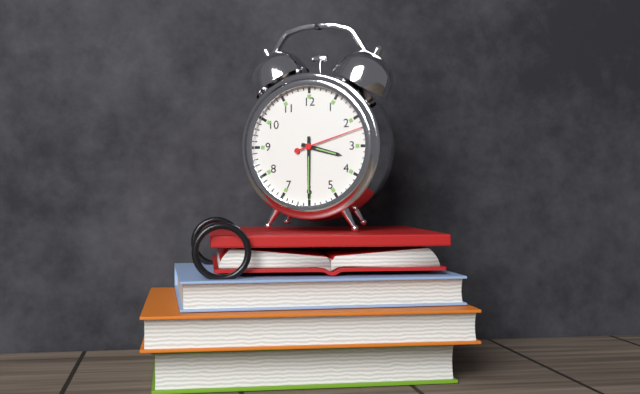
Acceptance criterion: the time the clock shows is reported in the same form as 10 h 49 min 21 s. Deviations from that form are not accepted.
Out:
3 h 30 min 12 s
